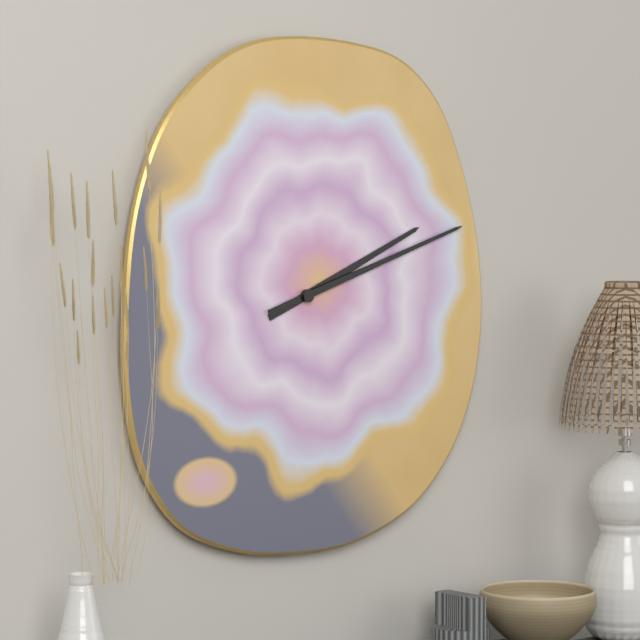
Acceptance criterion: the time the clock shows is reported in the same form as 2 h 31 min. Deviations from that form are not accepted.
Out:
2 h 12 min
